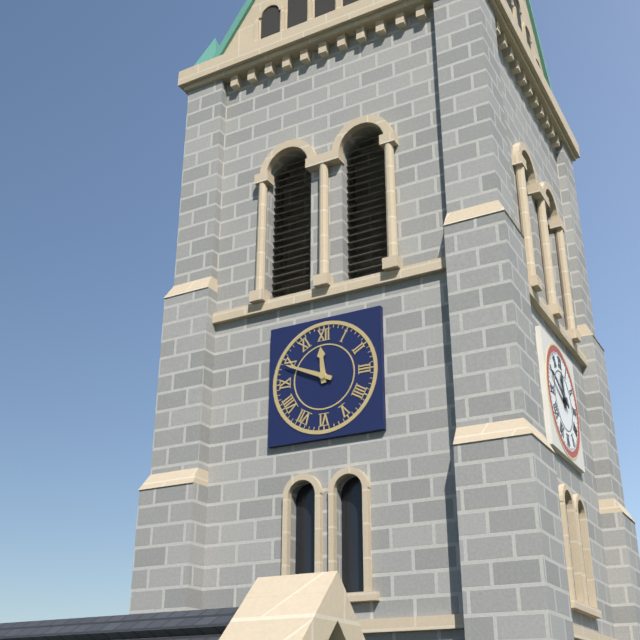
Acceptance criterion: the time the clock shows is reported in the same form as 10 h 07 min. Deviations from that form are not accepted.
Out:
11 h 49 min
